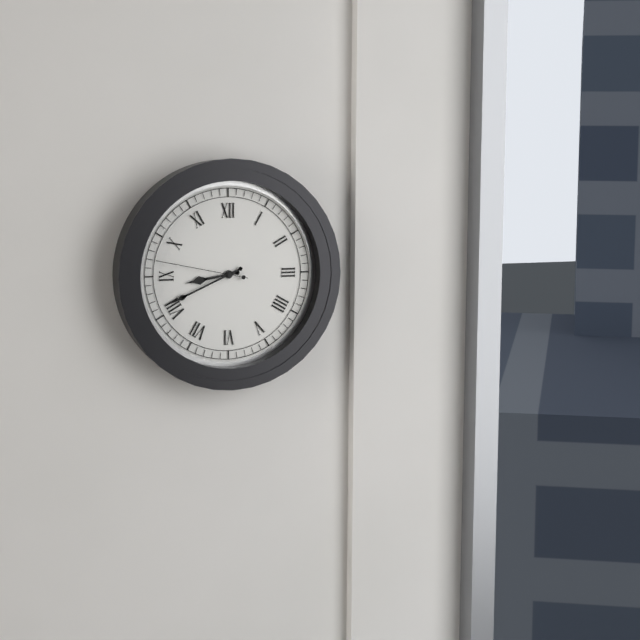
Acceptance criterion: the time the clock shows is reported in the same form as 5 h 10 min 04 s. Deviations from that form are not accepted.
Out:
8 h 41 min 47 s
